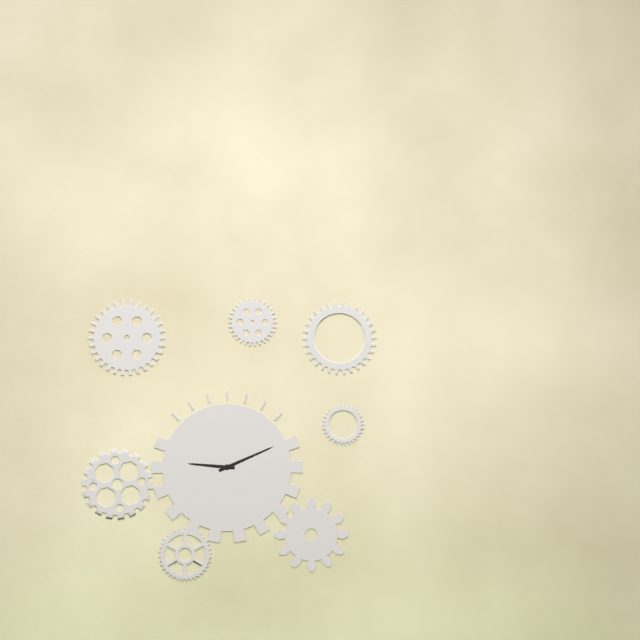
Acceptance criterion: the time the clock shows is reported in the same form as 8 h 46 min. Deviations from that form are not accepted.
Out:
9 h 11 min
